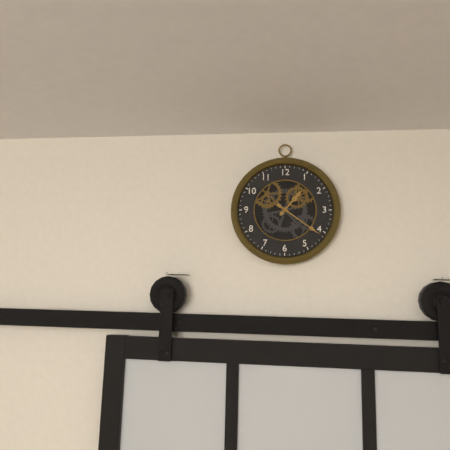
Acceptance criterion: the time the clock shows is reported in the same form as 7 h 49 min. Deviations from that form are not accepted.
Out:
1 h 21 min
